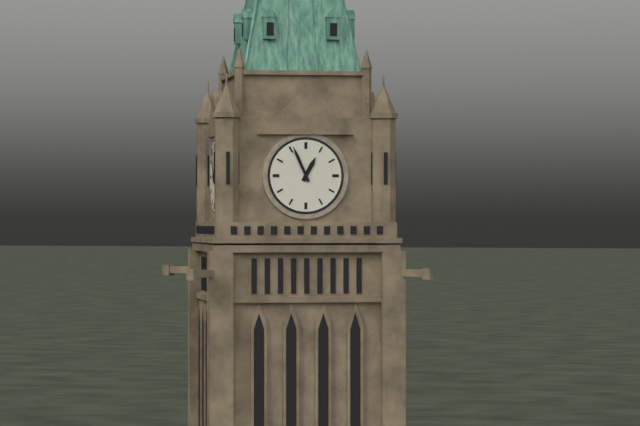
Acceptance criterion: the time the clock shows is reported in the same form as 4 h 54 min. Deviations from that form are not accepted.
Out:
12 h 56 min
